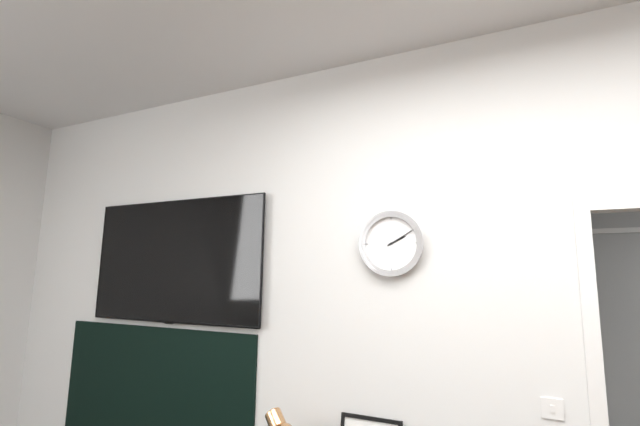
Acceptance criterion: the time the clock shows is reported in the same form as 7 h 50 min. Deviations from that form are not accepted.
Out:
2 h 10 min
